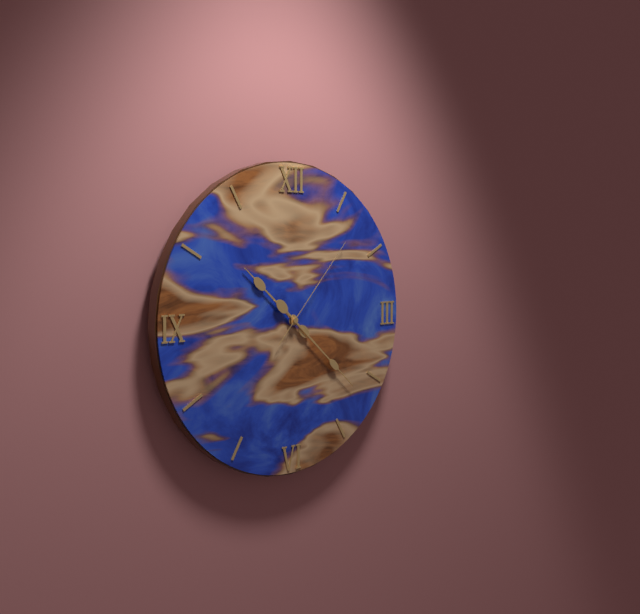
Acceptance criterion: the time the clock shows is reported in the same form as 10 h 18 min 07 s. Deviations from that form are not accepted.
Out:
10 h 22 min 07 s
